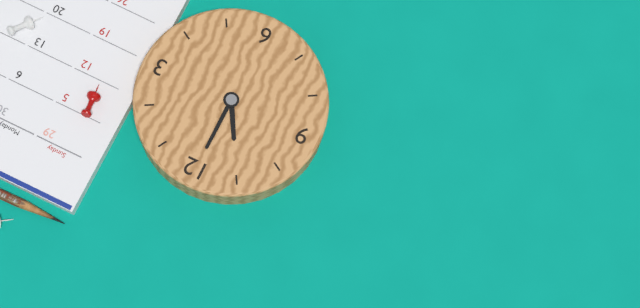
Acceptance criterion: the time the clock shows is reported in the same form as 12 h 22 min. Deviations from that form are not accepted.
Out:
11 h 00 min
